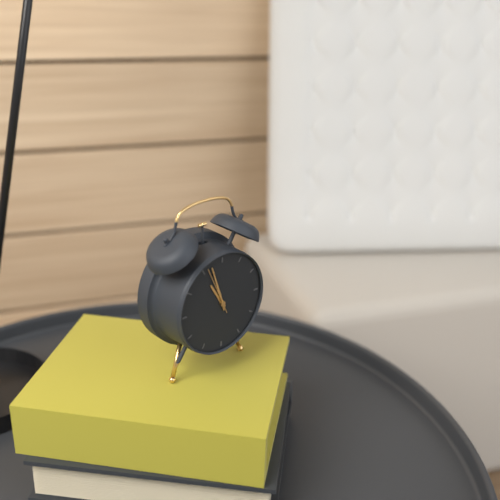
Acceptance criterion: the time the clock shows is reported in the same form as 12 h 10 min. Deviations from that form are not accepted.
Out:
10 h 57 min
